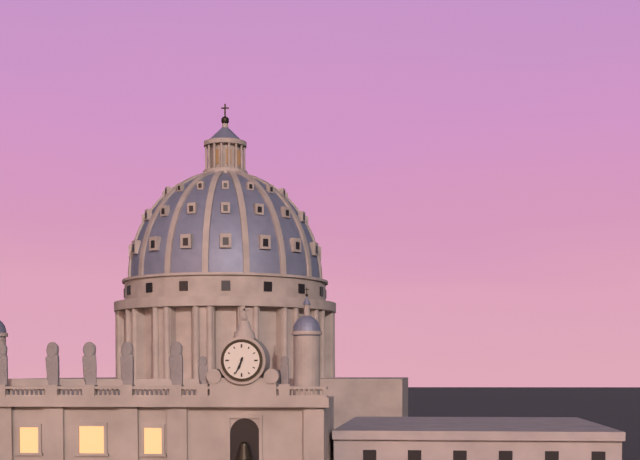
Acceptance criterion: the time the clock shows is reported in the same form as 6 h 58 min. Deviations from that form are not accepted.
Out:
6 h 34 min
